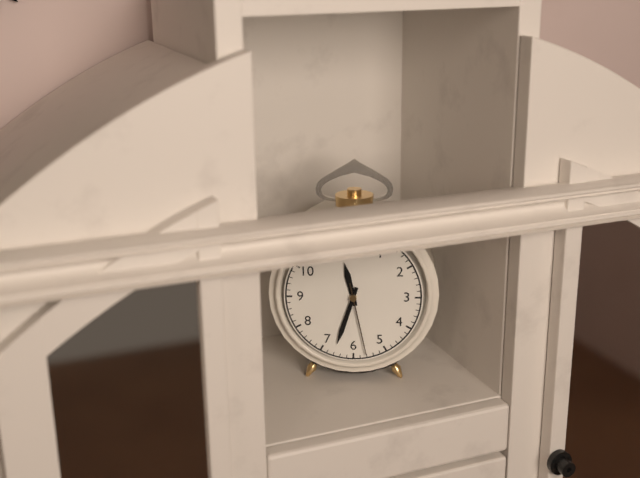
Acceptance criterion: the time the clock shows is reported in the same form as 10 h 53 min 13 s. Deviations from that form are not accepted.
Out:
11 h 33 min 28 s
